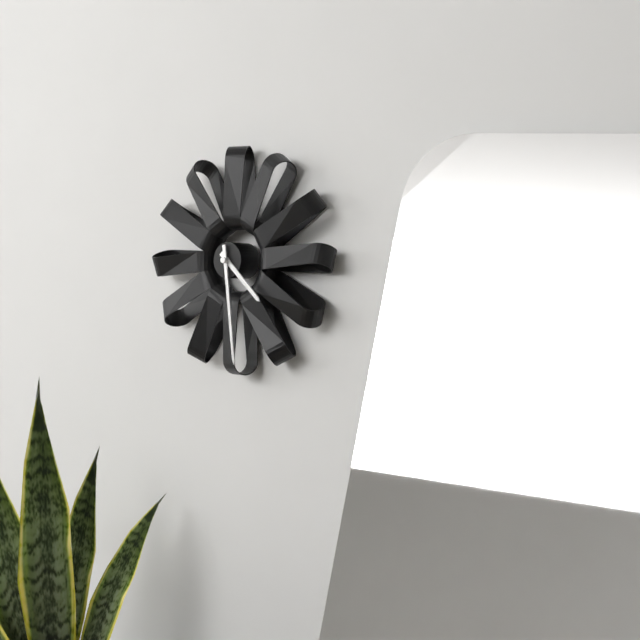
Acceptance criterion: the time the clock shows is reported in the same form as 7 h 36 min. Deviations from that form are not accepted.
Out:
4 h 29 min
